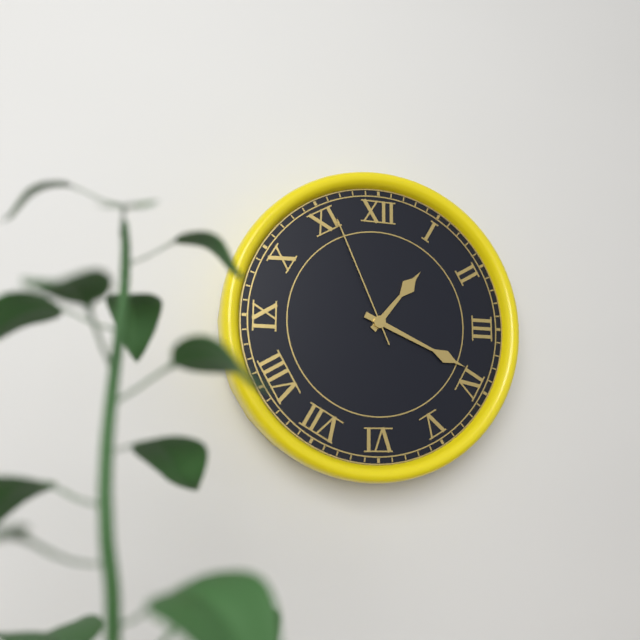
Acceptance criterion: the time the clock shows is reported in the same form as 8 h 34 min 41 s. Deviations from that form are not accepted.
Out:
1 h 19 min 56 s
